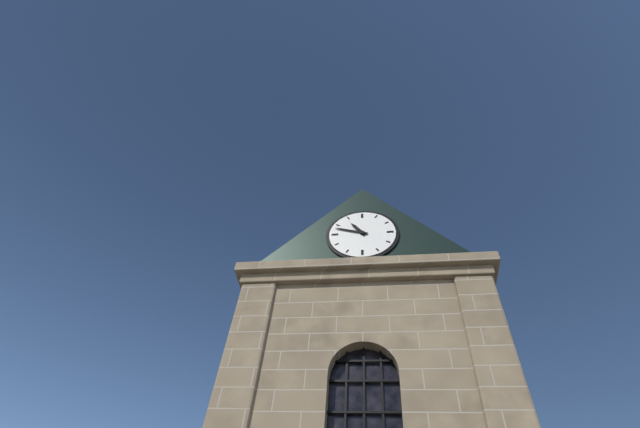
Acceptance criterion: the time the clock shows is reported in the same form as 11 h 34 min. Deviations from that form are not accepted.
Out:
10 h 48 min
